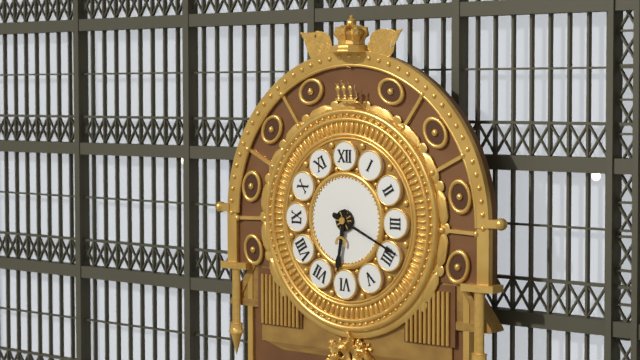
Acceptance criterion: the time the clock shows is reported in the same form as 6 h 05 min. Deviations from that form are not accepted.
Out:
6 h 19 min
